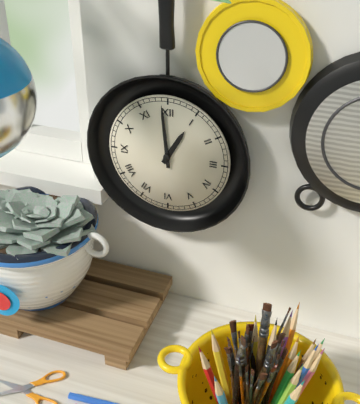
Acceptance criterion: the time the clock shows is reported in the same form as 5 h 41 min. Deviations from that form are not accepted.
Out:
12 h 59 min
